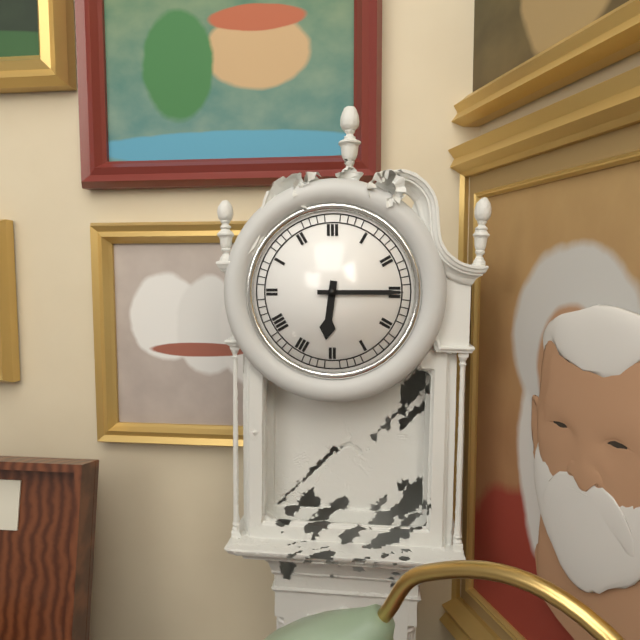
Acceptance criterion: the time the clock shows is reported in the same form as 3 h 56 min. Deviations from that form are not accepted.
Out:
6 h 15 min
